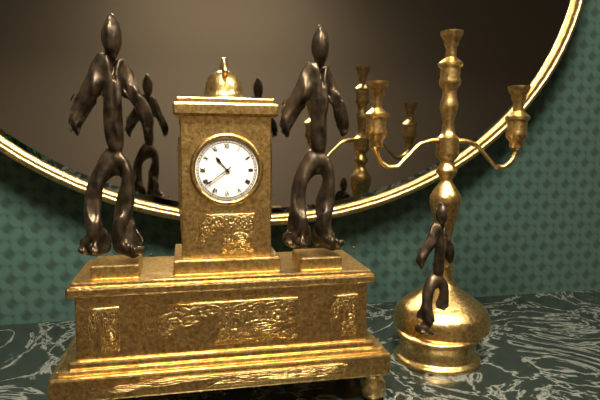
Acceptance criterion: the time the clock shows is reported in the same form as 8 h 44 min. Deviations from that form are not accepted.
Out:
10 h 39 min
